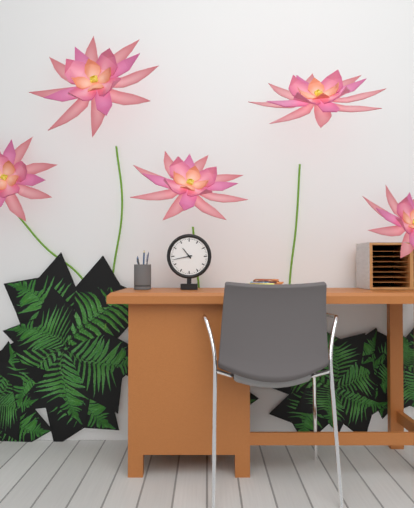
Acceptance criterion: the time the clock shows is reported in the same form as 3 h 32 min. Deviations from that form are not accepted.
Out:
10 h 43 min
